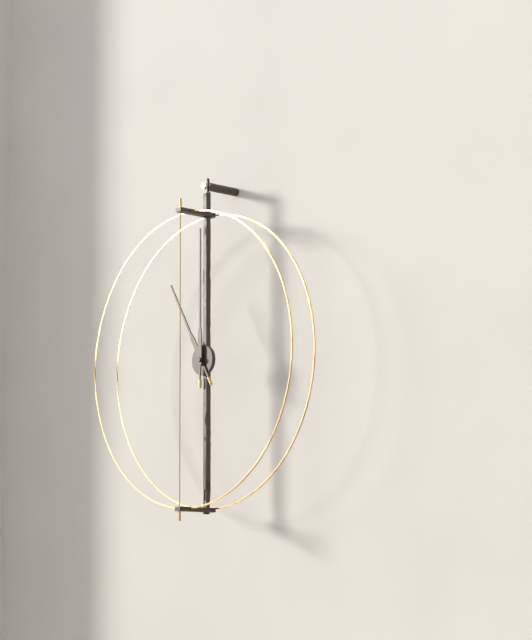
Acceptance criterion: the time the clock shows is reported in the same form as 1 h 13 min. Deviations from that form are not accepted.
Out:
11 h 00 min
